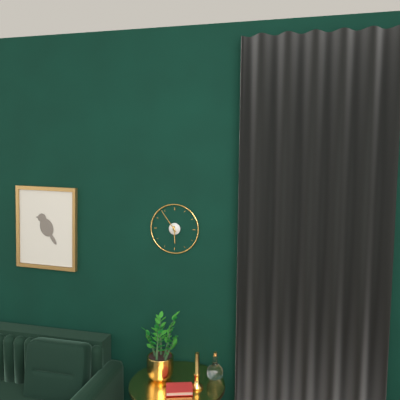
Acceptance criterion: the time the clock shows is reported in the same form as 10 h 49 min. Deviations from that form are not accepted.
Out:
5 h 54 min
